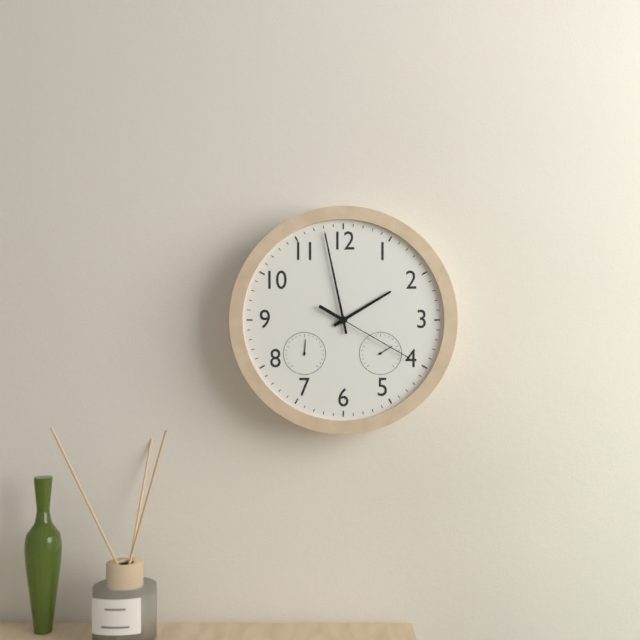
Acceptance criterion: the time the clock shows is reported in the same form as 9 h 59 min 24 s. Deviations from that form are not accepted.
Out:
1 h 58 min 20 s
